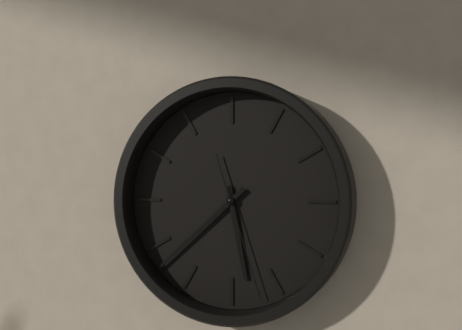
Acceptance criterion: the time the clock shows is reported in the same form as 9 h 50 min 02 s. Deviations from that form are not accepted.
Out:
5 h 38 min 27 s
